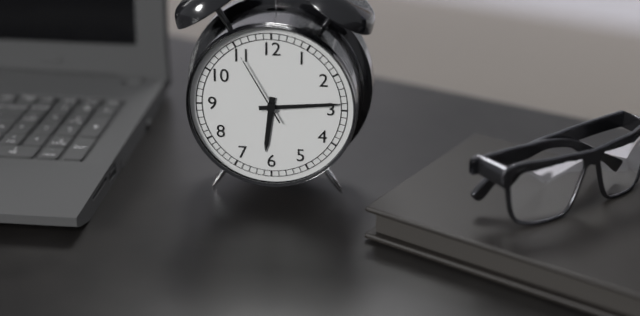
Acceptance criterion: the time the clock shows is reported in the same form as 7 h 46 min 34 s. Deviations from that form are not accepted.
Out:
6 h 14 min 55 s
